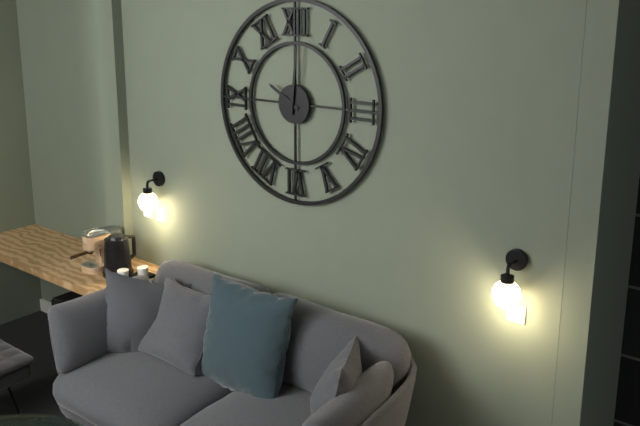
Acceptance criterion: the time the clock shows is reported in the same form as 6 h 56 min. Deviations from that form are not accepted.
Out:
10 h 01 min
